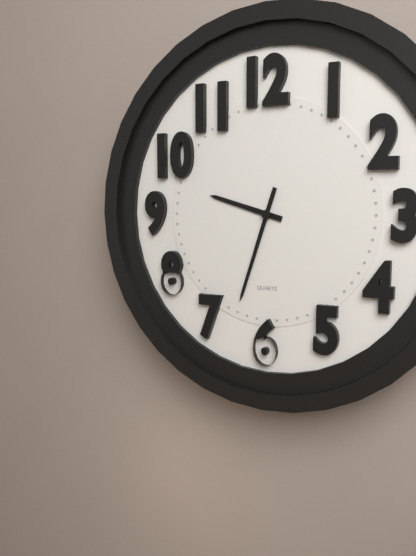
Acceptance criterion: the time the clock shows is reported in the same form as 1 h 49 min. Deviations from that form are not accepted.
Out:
9 h 33 min
